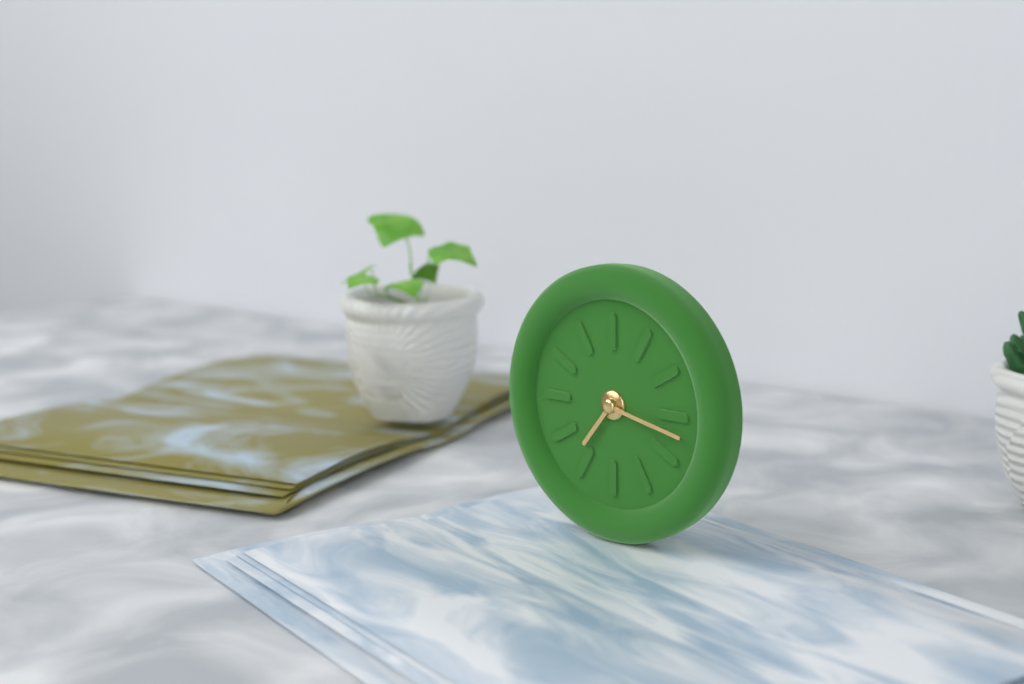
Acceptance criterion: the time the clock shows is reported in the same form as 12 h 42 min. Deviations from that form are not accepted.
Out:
7 h 17 min
